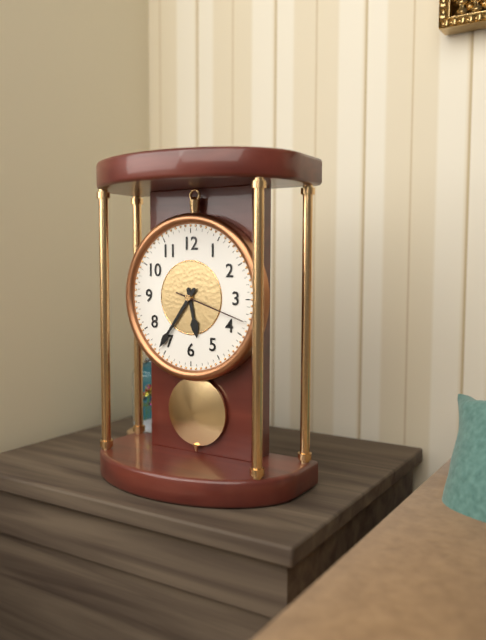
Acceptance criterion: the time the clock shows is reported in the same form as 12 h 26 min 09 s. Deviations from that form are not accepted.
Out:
5 h 36 min 18 s
